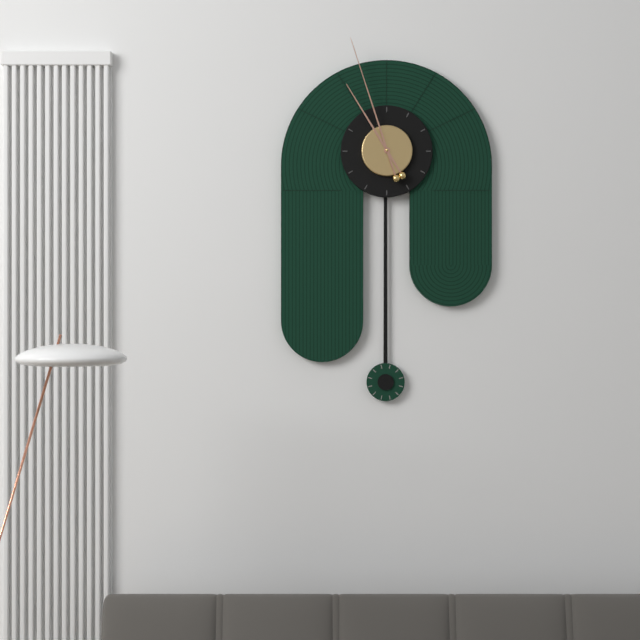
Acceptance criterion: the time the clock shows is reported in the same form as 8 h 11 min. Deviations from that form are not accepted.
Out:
10 h 57 min
